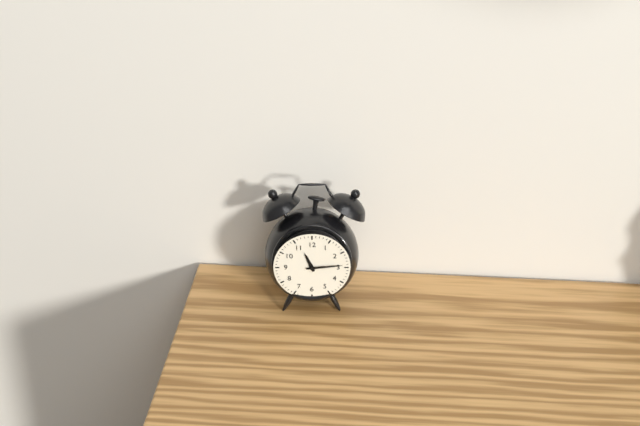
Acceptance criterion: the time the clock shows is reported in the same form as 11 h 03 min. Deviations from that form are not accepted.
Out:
11 h 14 min
